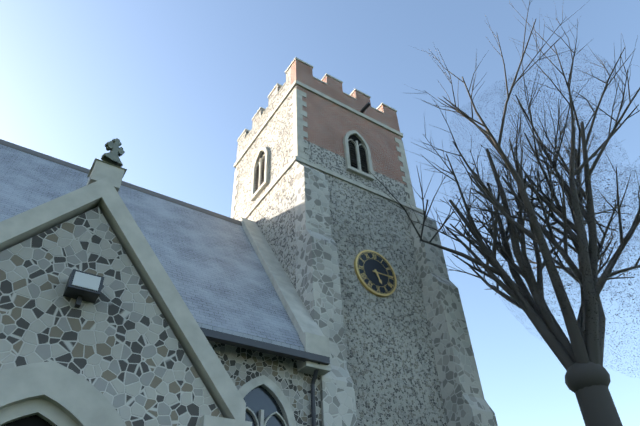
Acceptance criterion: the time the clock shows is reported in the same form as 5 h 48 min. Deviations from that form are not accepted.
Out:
5 h 15 min
